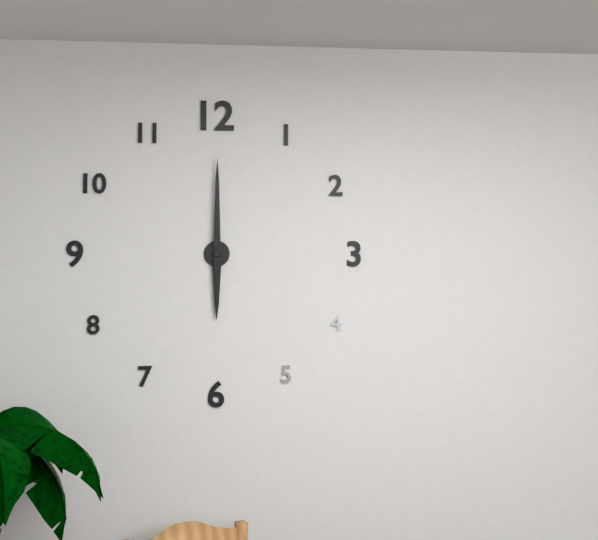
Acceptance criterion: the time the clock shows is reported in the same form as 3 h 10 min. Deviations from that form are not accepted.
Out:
6 h 00 min
